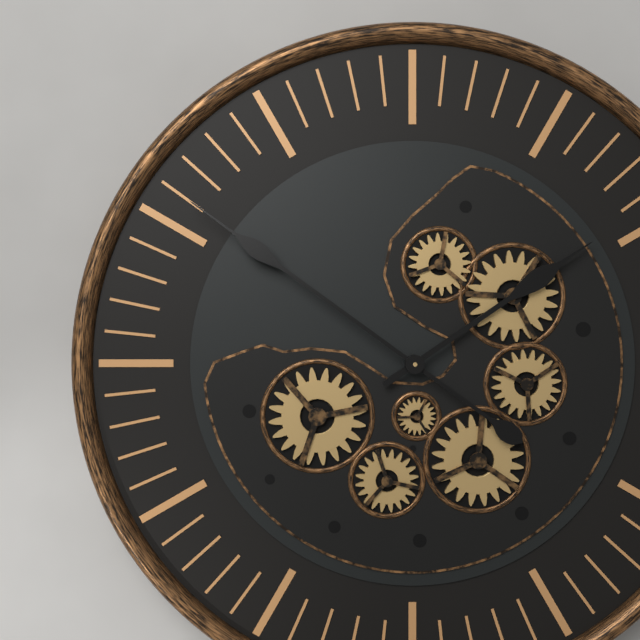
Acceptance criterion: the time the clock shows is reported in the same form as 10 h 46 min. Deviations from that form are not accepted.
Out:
1 h 51 min
